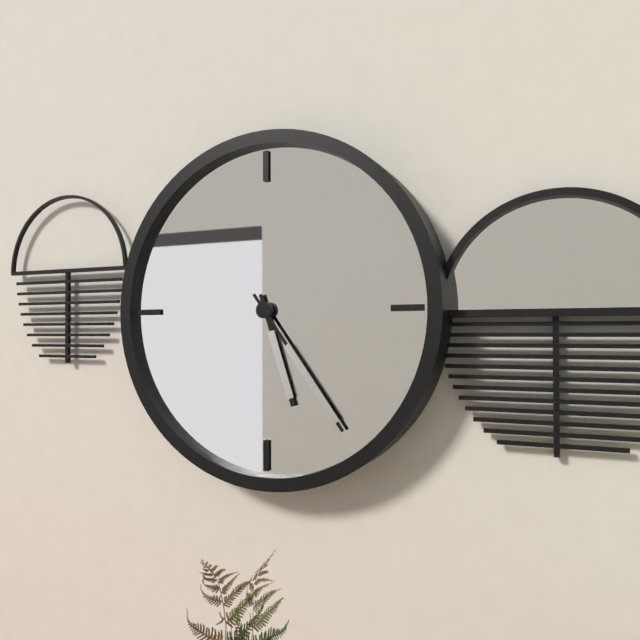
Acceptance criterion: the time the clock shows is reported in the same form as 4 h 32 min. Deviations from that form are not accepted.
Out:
5 h 24 min
